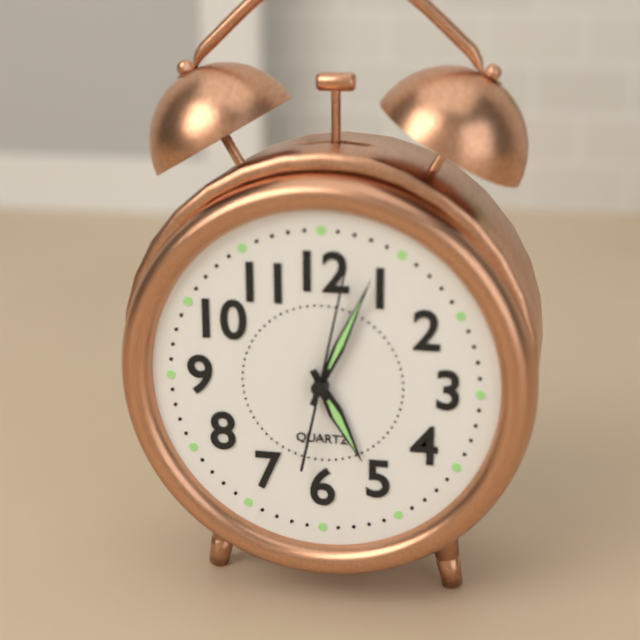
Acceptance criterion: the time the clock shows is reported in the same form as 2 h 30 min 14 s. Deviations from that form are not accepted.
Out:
5 h 04 min 02 s
